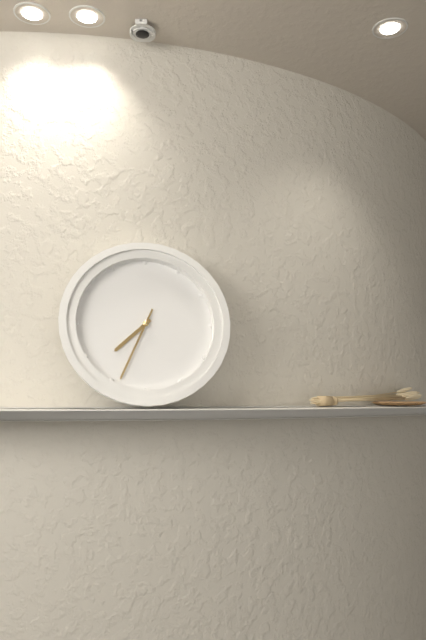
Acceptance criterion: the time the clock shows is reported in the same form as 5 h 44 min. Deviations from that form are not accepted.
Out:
7 h 34 min
